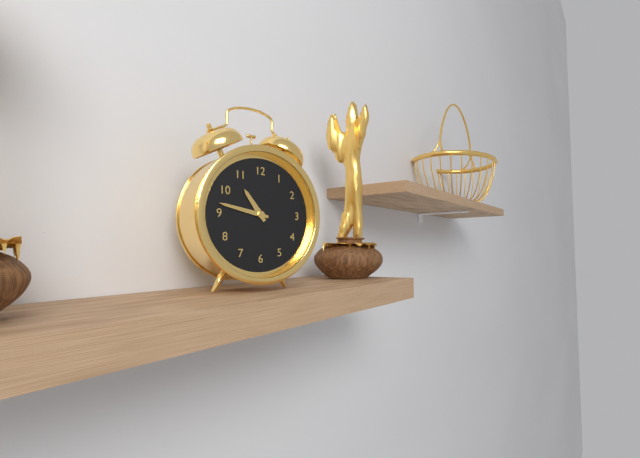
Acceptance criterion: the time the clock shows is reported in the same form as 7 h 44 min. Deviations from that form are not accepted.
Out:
10 h 47 min
